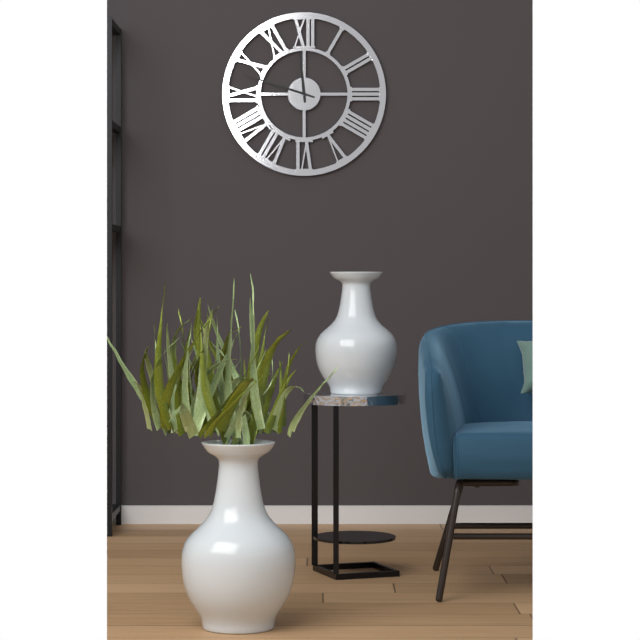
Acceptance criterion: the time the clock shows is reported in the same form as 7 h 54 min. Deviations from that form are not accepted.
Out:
11 h 48 min
